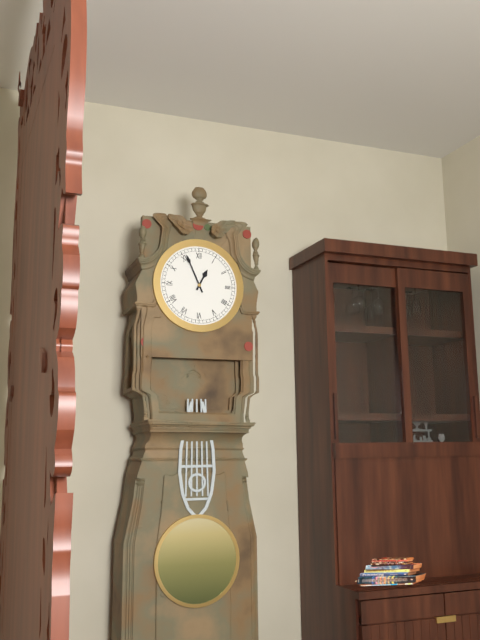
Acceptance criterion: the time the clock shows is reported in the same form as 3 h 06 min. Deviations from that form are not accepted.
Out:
12 h 56 min
